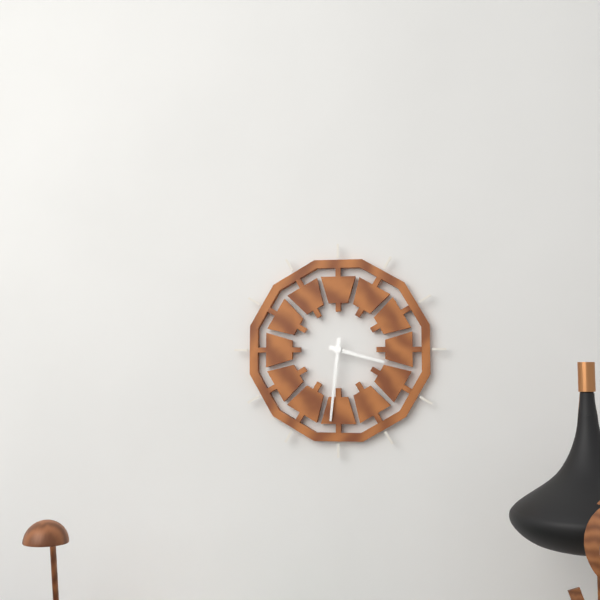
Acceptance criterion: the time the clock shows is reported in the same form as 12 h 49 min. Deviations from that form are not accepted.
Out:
3 h 31 min
